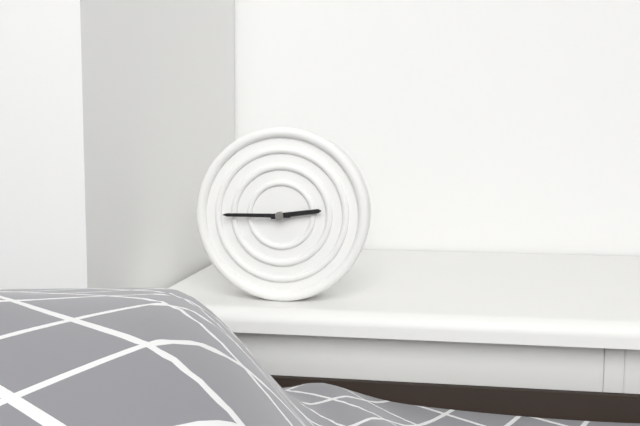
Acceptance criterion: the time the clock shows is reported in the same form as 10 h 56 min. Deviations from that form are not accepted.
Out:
2 h 45 min
